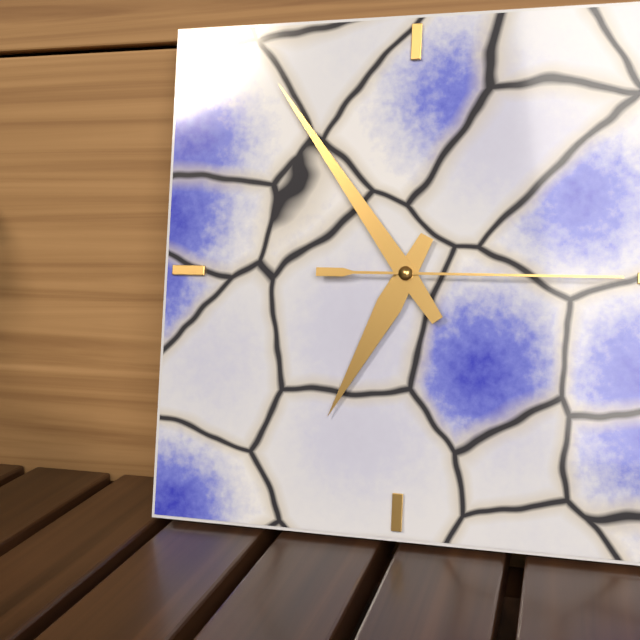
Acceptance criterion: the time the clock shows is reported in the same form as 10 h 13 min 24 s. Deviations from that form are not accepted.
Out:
6 h 54 min 15 s
